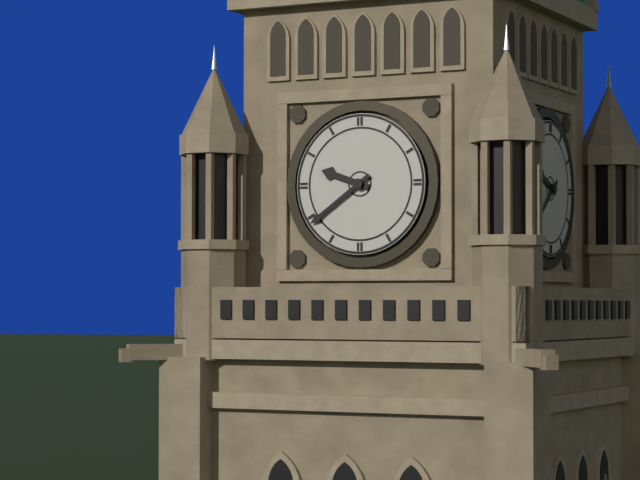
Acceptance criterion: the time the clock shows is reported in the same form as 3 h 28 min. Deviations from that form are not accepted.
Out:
9 h 39 min
